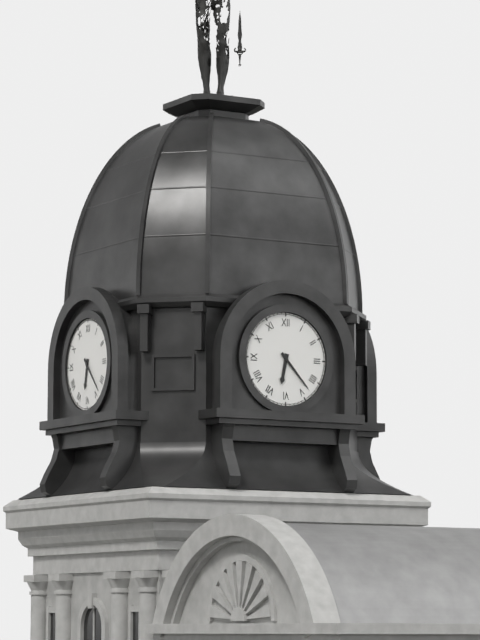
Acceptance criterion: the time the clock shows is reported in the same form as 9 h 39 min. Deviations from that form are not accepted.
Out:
6 h 23 min
